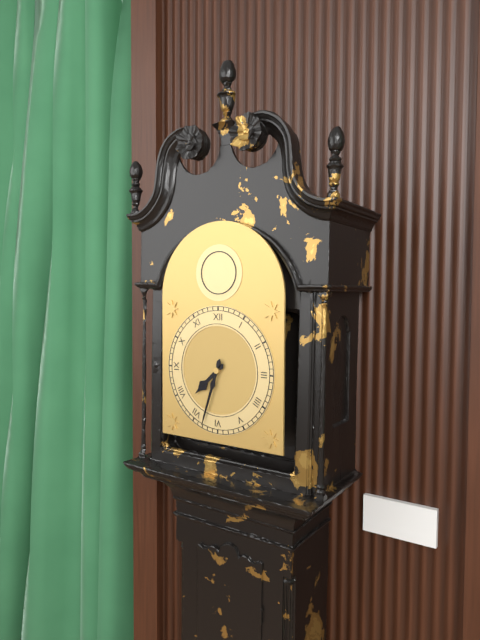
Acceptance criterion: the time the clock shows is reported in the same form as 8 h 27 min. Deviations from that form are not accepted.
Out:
7 h 33 min
